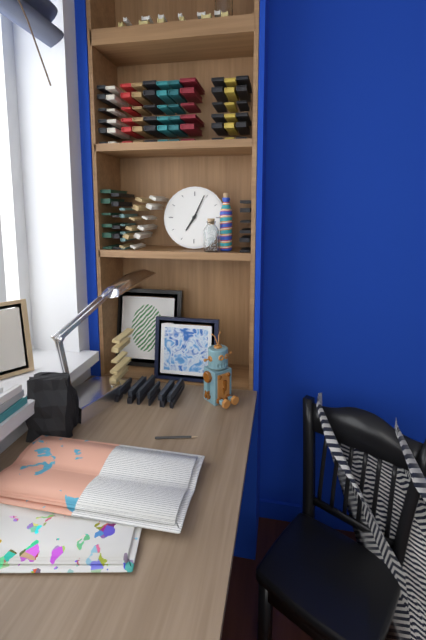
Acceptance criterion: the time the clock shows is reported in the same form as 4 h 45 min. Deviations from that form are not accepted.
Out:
7 h 04 min
